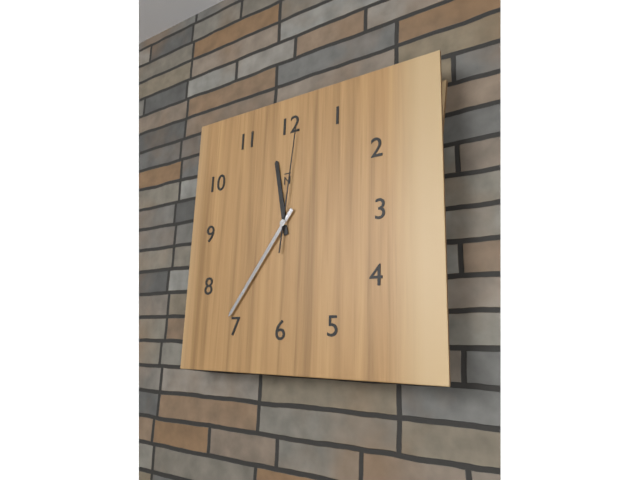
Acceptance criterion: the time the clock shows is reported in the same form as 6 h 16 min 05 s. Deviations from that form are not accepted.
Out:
11 h 36 min 01 s
